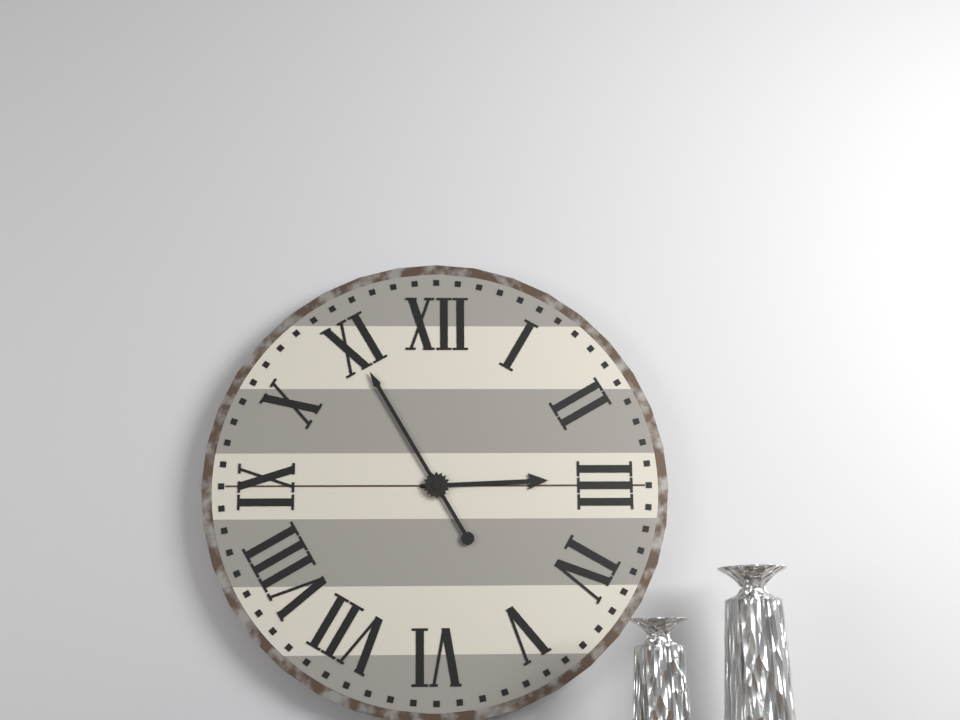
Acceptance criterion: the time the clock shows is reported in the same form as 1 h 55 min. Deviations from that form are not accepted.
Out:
2 h 55 min
